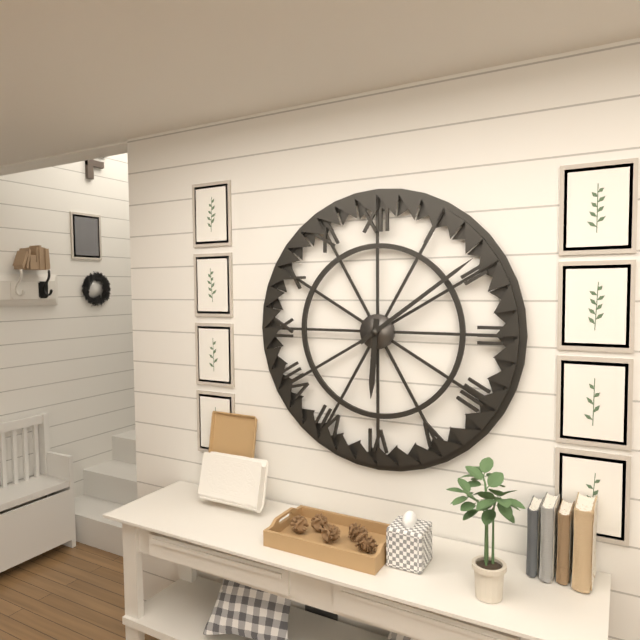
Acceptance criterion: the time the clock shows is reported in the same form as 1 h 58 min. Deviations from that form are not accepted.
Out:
6 h 09 min
